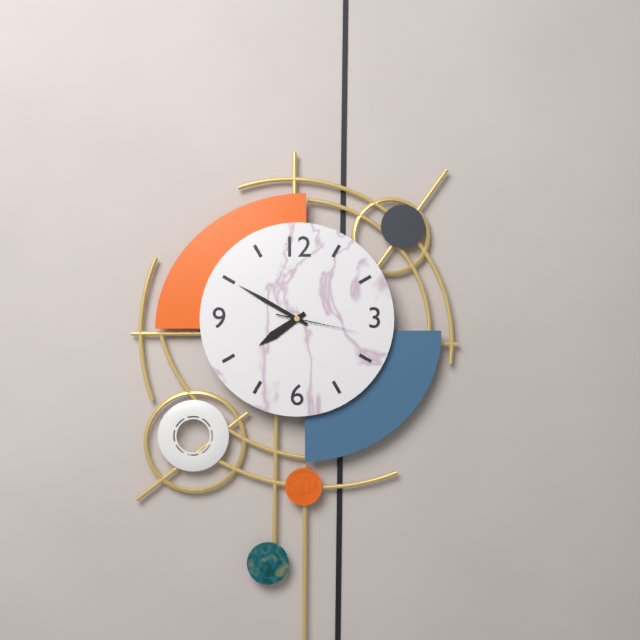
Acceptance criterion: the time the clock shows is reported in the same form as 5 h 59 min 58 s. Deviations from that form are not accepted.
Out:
7 h 50 min 17 s
